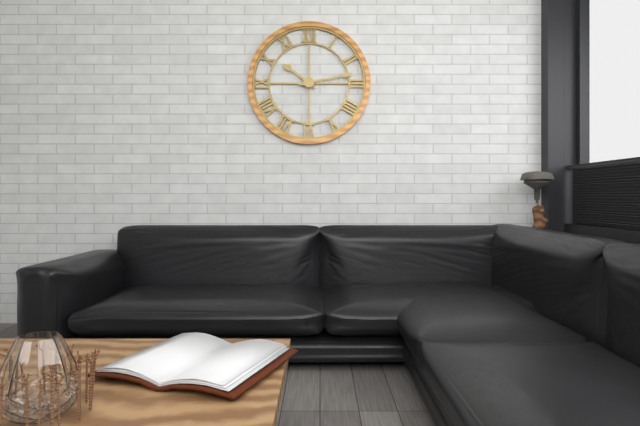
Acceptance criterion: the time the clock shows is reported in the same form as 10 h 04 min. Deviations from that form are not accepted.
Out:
10 h 13 min
